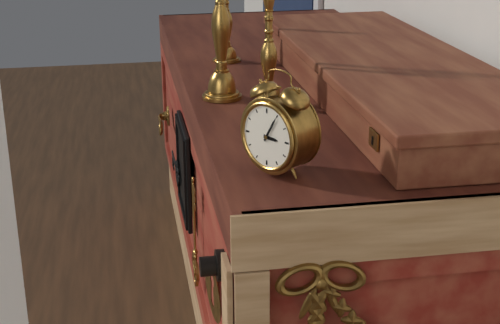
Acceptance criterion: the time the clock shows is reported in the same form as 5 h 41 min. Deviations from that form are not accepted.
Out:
3 h 05 min
